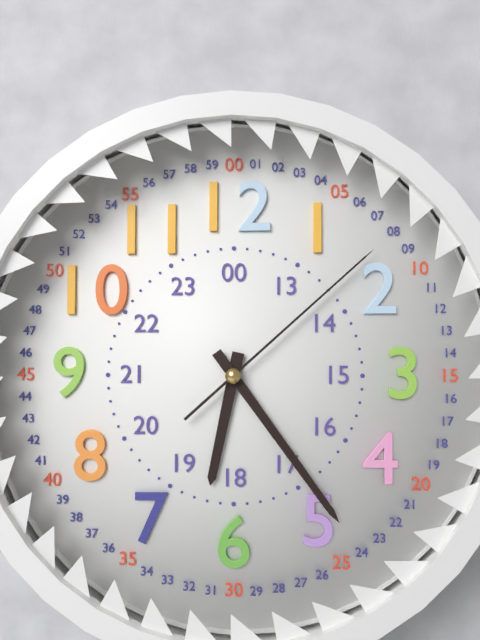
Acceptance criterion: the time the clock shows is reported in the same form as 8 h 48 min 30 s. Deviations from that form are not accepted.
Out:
6 h 24 min 08 s
